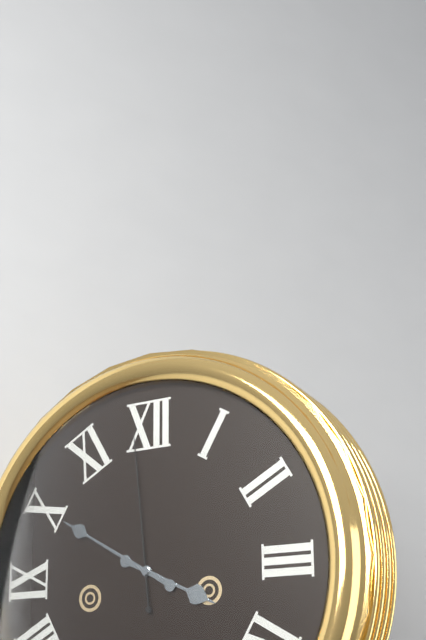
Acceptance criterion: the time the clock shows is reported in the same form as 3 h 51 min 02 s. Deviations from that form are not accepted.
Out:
3 h 50 min 59 s
